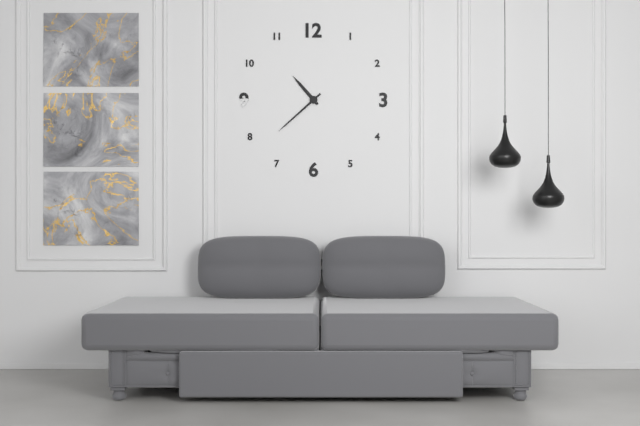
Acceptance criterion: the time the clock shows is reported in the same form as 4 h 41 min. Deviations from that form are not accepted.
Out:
10 h 38 min
